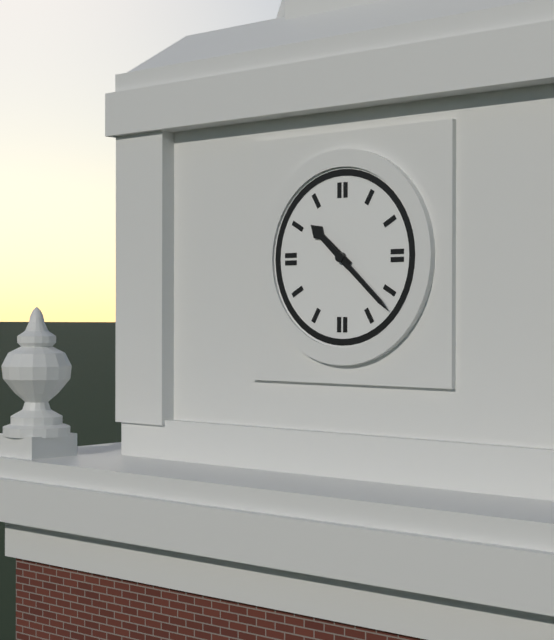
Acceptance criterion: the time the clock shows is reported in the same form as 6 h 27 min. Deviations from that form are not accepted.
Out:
10 h 22 min
